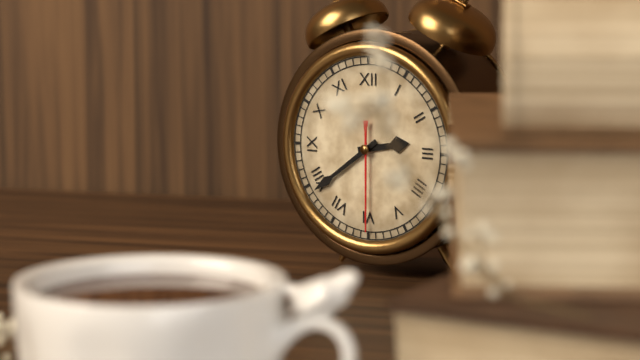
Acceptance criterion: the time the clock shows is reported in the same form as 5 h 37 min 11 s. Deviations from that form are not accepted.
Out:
2 h 39 min 30 s
